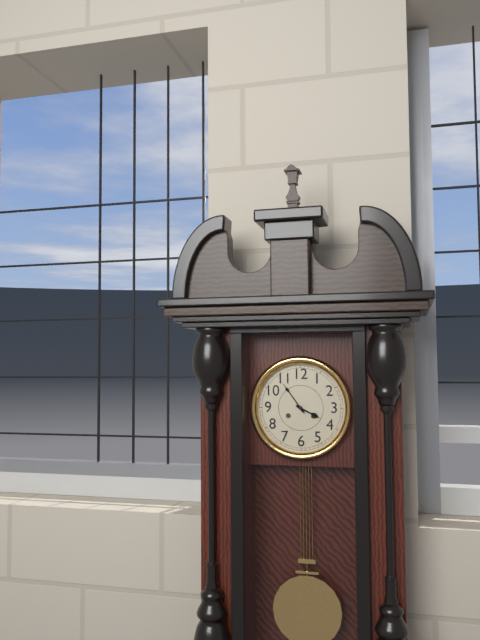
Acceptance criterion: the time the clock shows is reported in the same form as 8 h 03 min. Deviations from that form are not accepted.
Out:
3 h 54 min
